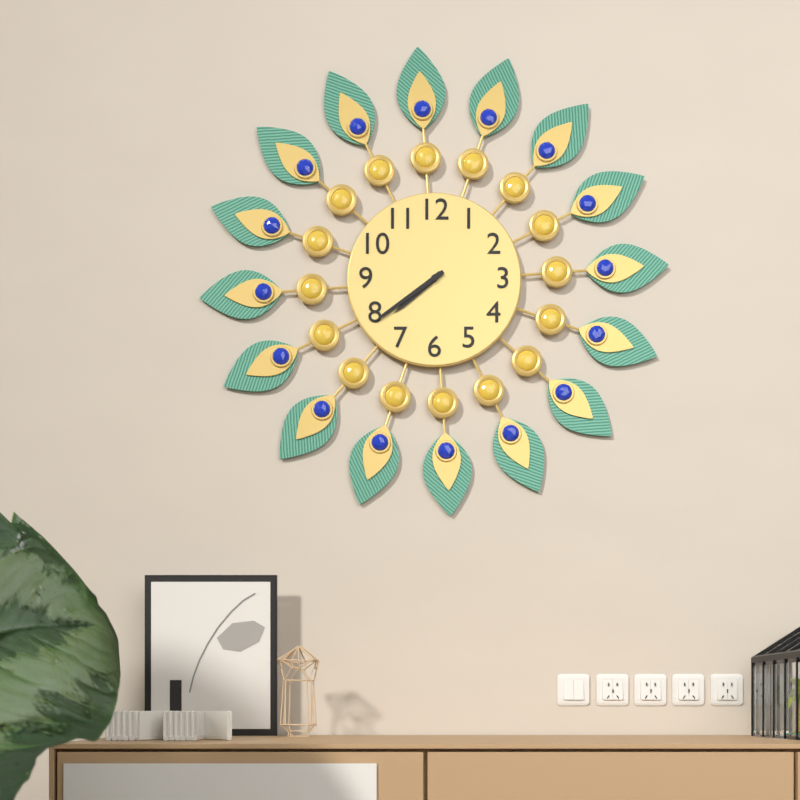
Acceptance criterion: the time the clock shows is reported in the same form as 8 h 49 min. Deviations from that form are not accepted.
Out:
7 h 39 min
